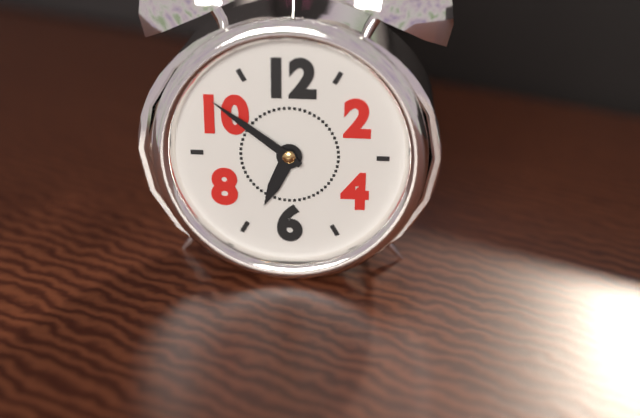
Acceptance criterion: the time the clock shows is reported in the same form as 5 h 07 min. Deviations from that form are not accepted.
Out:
6 h 51 min
